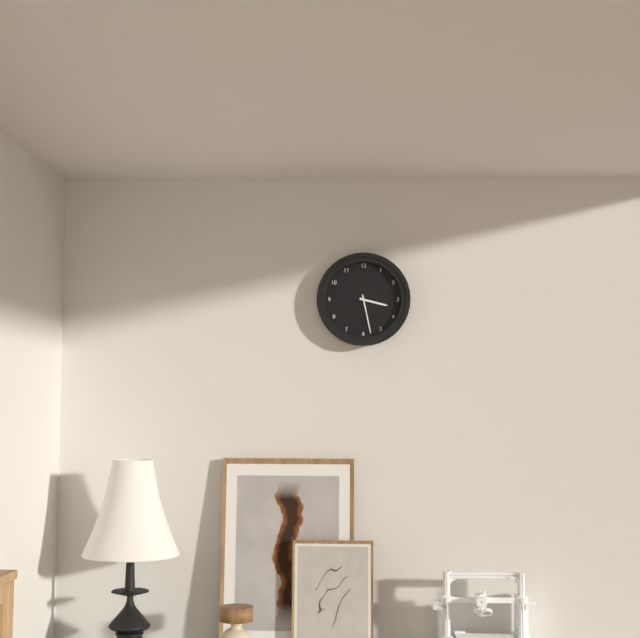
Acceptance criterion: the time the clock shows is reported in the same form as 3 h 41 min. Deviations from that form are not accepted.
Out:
3 h 28 min
